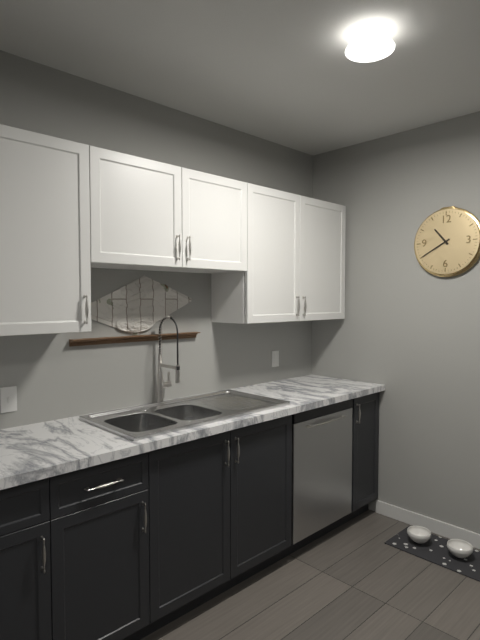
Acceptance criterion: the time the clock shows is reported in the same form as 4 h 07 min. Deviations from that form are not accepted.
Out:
10 h 40 min
